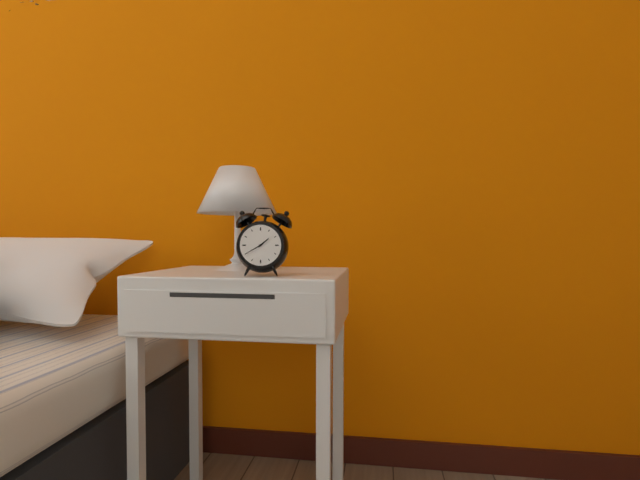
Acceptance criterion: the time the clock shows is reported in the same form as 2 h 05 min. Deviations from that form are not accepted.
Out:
1 h 40 min
